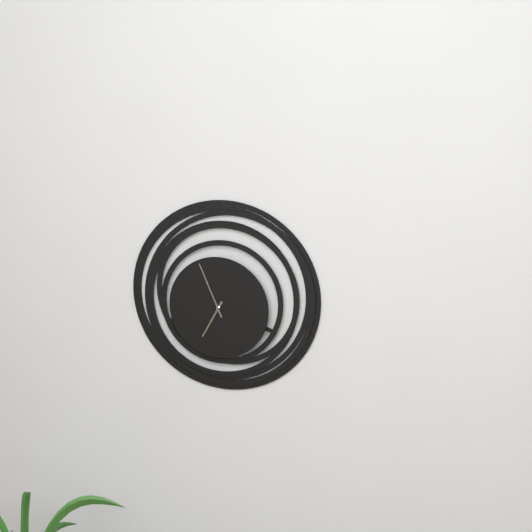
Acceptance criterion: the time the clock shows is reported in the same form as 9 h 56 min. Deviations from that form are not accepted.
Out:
6 h 56 min
